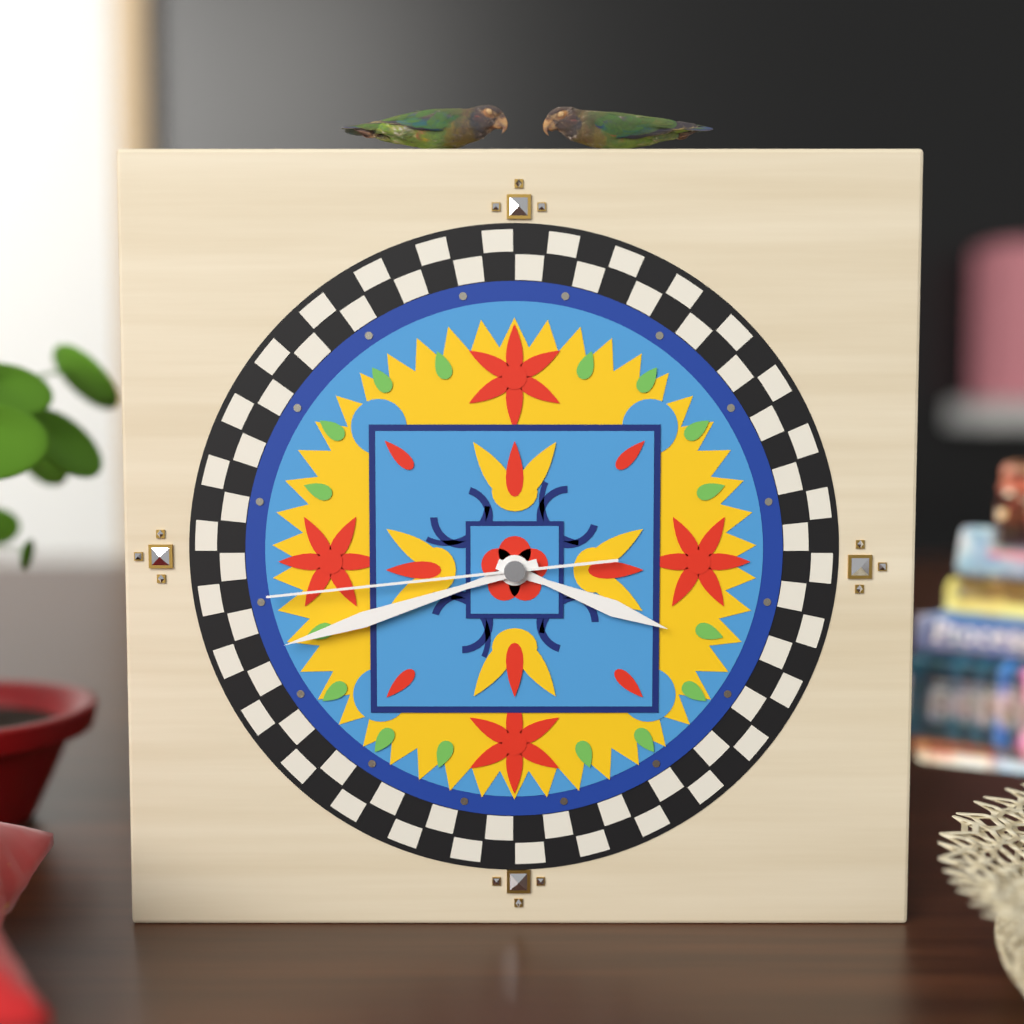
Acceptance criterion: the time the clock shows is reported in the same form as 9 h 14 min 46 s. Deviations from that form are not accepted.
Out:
3 h 42 min 44 s
